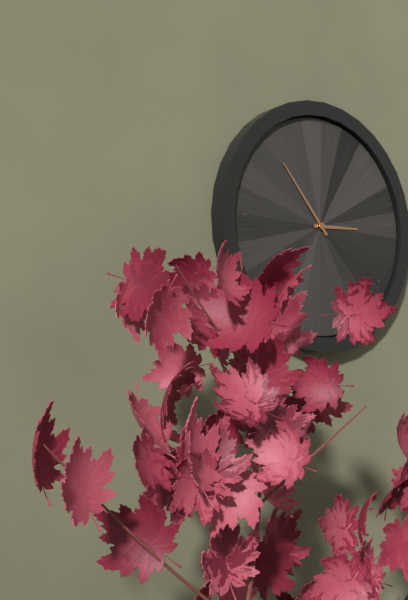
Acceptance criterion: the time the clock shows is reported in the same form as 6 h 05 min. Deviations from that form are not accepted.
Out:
2 h 53 min
